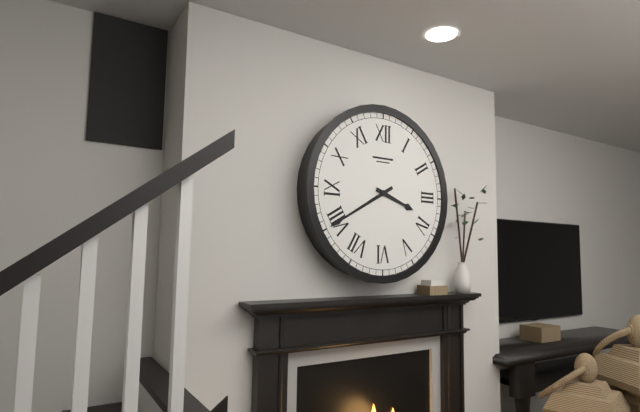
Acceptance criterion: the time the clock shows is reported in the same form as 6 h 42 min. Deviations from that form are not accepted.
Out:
3 h 40 min
